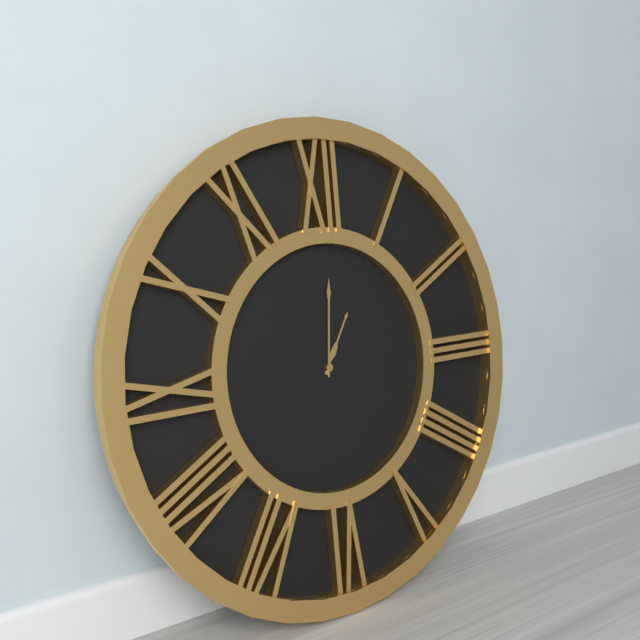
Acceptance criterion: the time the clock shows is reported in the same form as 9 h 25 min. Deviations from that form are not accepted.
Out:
1 h 01 min
